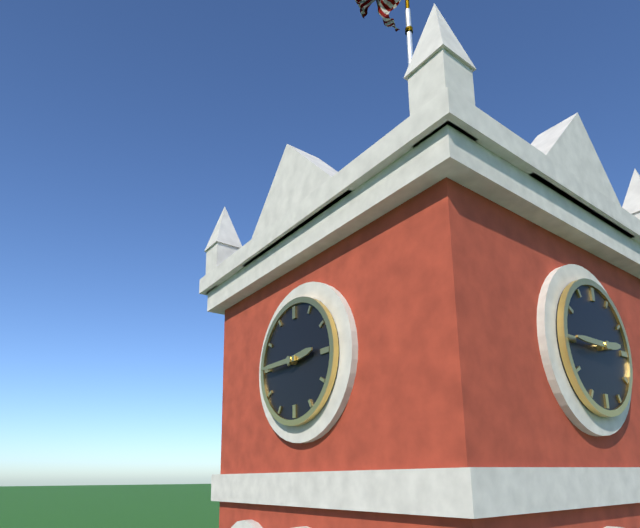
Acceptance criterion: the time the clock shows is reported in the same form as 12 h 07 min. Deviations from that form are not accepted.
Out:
2 h 45 min
